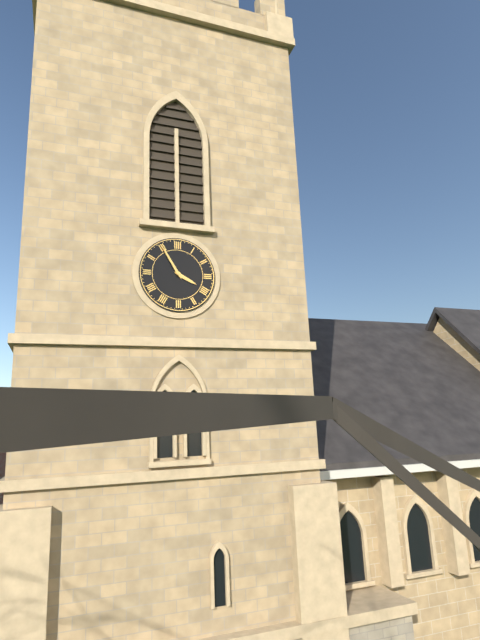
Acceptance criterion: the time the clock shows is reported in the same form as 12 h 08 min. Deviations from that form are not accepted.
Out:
3 h 55 min
